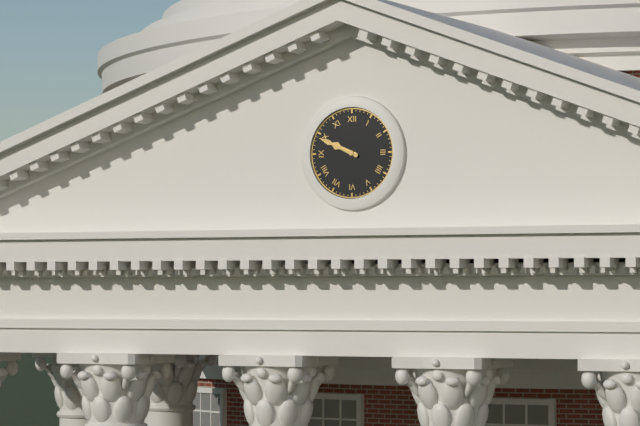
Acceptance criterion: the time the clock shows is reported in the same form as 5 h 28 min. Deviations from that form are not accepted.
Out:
9 h 49 min
